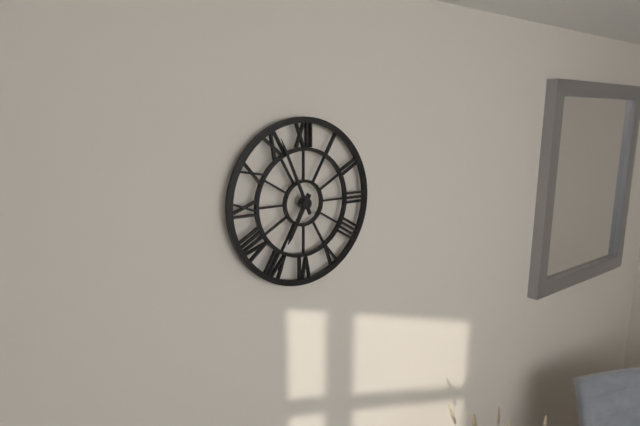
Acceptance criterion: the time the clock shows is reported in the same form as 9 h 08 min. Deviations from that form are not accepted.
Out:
6 h 56 min
